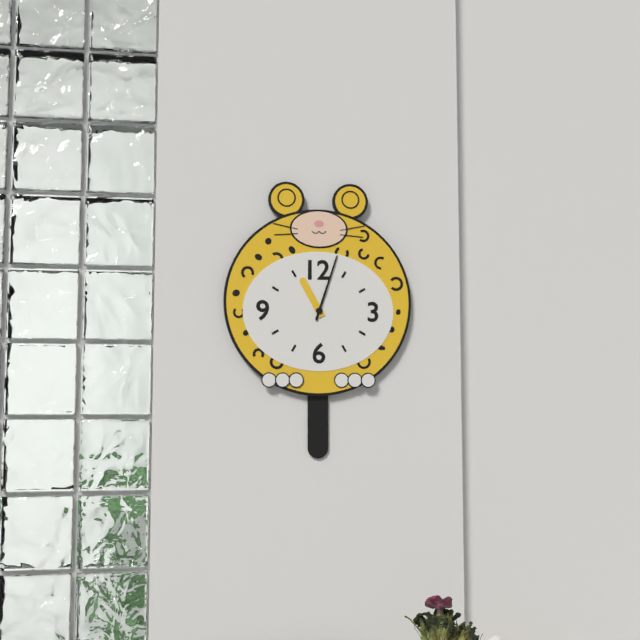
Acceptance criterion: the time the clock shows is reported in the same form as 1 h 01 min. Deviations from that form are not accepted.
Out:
11 h 03 min
